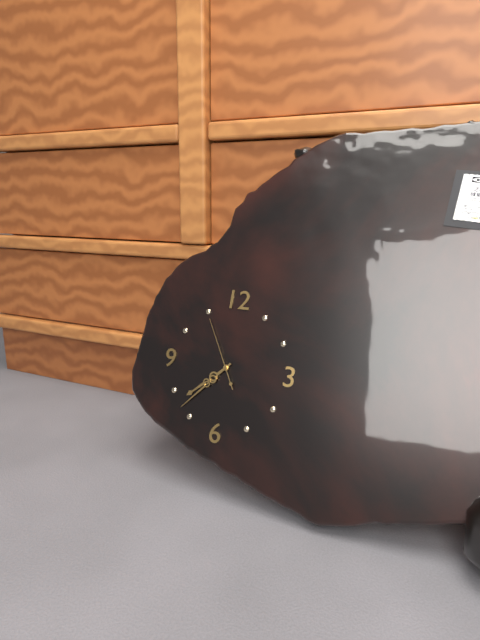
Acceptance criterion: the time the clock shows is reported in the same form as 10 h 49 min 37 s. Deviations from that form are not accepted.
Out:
7 h 37 min 55 s
